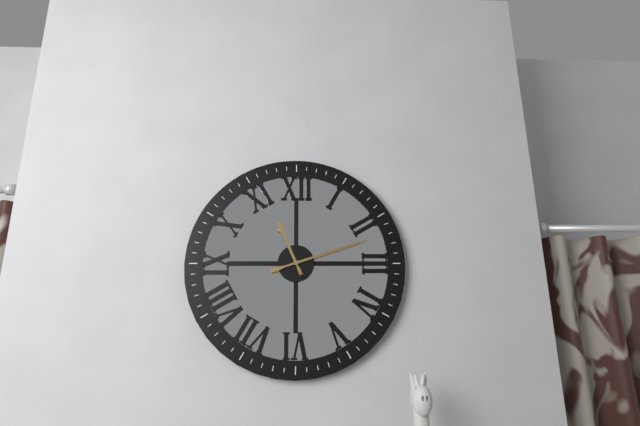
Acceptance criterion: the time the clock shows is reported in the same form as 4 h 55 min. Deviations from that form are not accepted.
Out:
11 h 12 min
